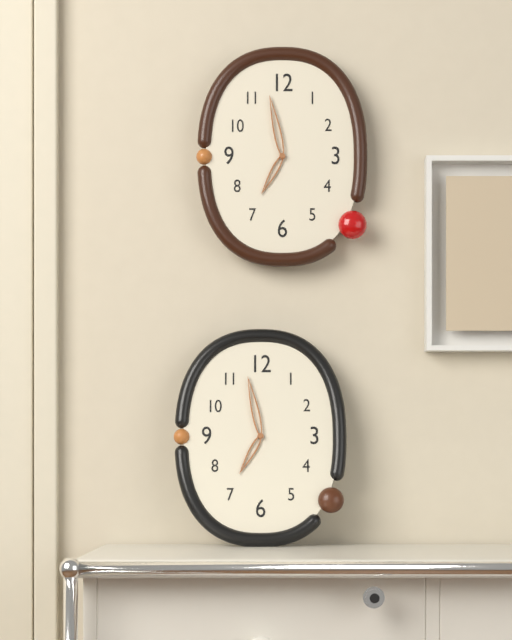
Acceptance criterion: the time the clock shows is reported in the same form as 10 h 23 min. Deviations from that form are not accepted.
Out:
6 h 58 min
